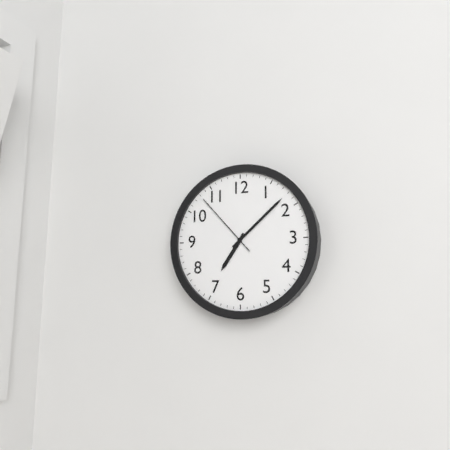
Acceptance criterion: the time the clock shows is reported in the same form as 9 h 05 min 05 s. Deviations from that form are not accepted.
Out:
7 h 08 min 53 s
